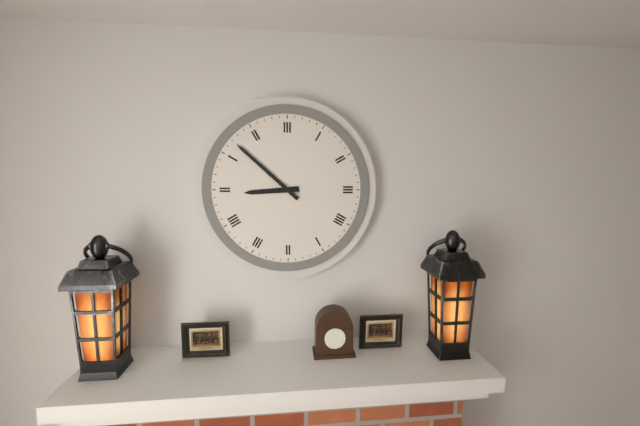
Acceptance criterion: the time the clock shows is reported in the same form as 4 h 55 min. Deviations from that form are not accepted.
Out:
8 h 52 min
